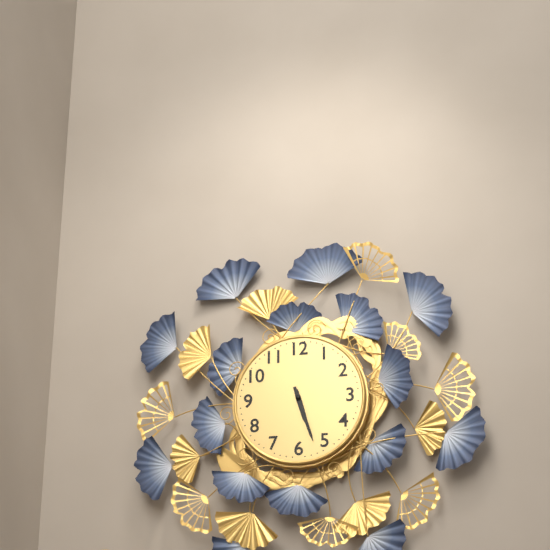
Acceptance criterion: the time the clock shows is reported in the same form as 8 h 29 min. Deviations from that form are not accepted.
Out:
5 h 27 min
